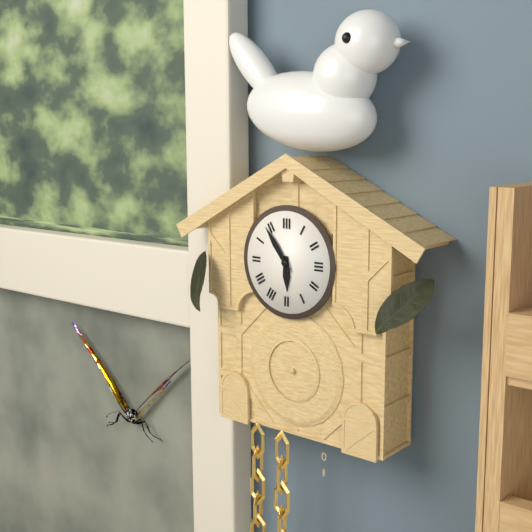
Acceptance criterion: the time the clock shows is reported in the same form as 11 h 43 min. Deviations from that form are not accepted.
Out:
5 h 54 min
